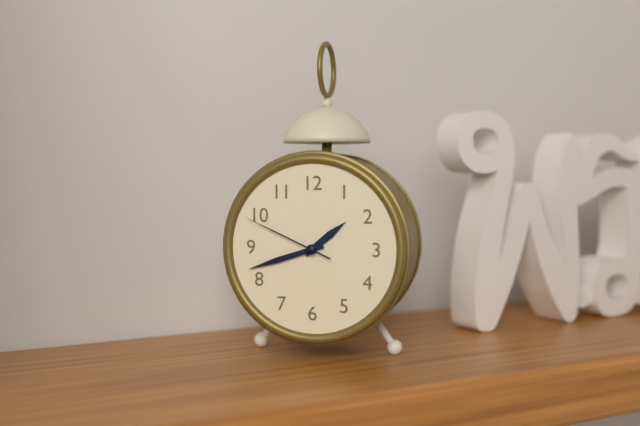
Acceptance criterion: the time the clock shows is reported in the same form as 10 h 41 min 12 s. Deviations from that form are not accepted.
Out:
1 h 42 min 49 s
